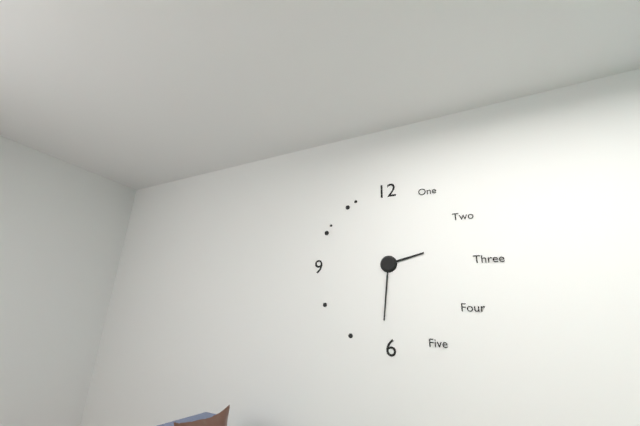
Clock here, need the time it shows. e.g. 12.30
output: 2.31
